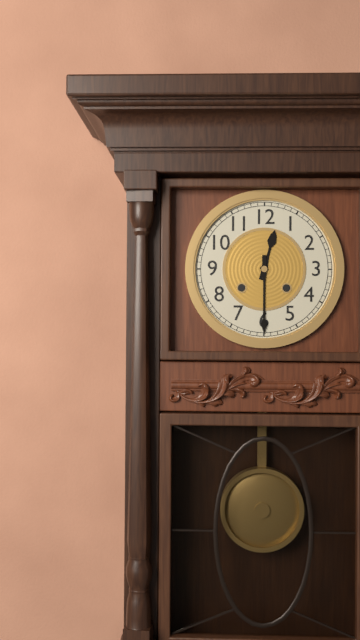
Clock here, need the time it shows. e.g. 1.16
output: 12.30
